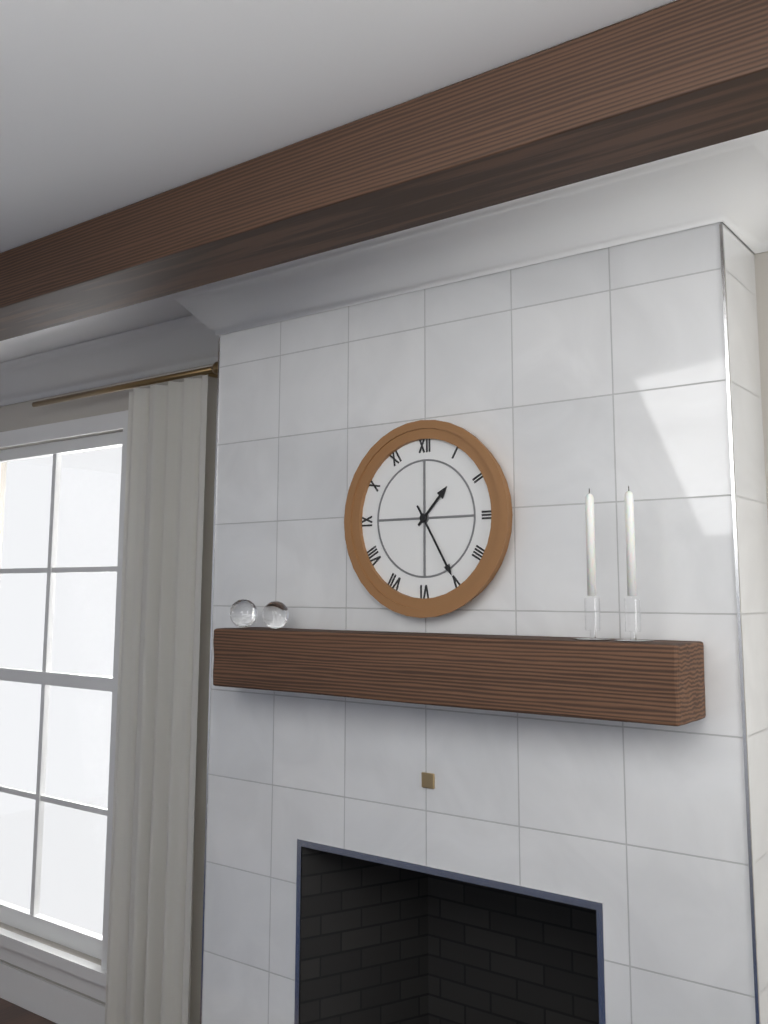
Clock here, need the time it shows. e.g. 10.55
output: 1.25
